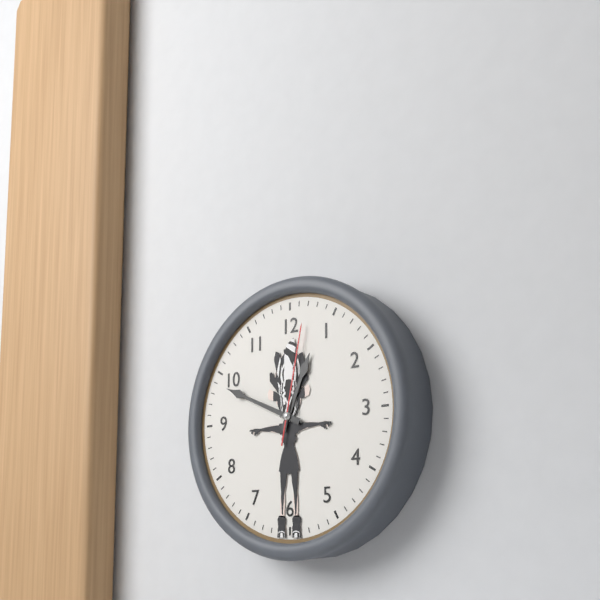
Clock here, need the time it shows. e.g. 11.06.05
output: 12.49.02
